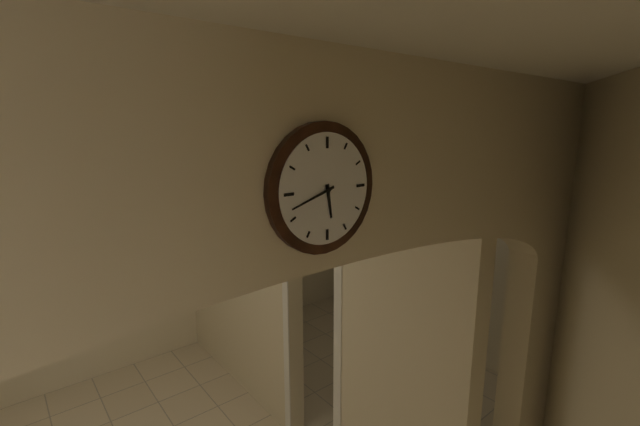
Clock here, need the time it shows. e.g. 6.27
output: 5.42
